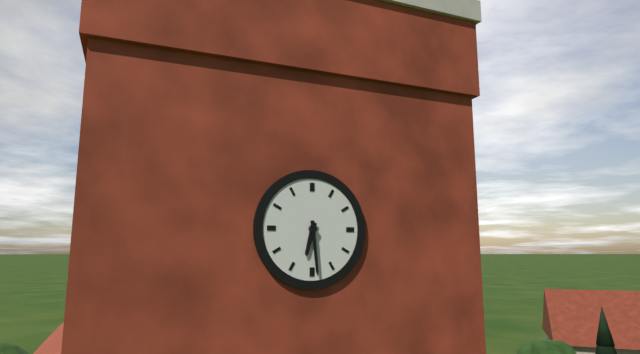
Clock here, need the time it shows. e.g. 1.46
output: 6.29
